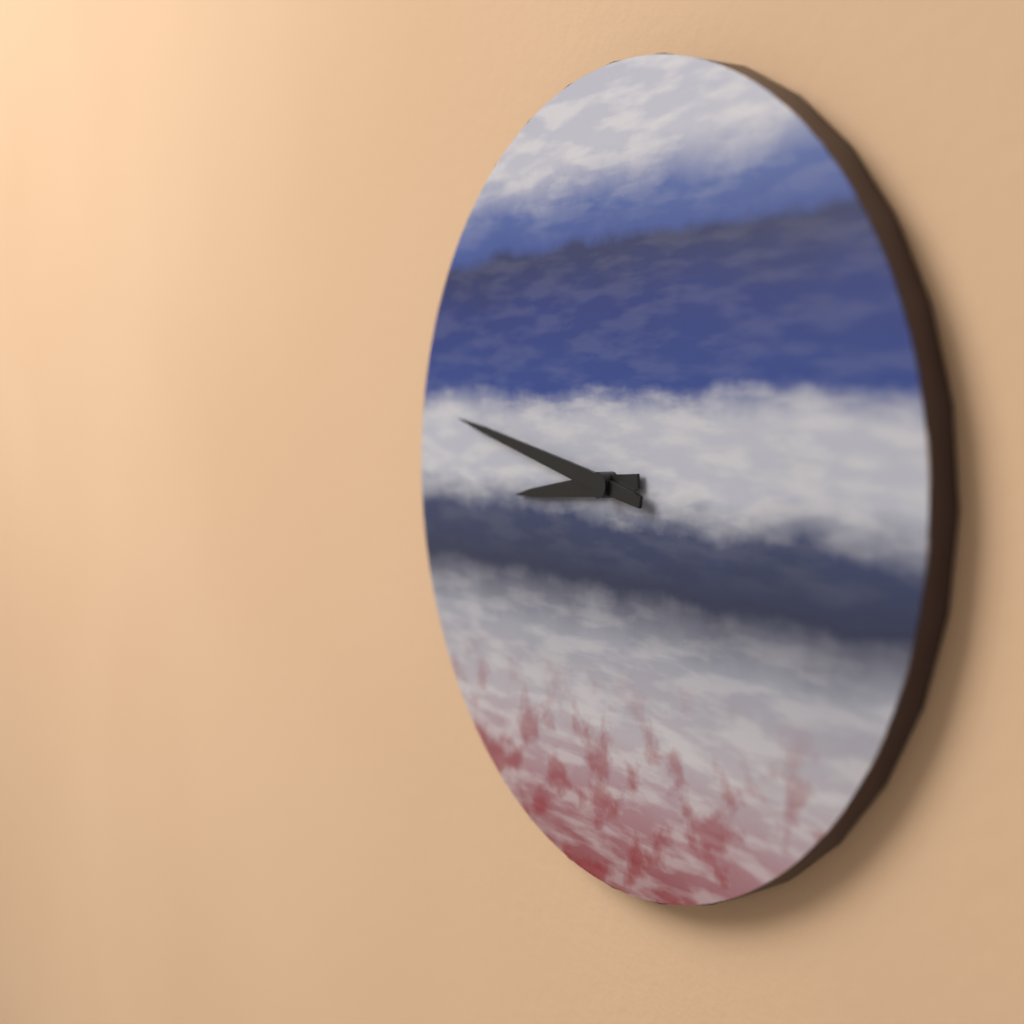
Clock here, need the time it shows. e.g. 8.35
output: 8.47
